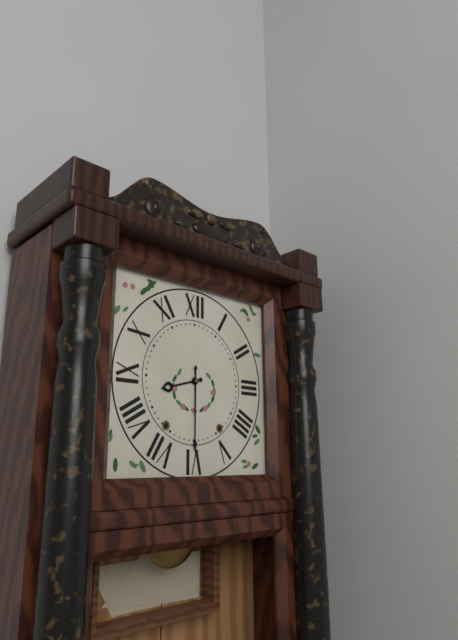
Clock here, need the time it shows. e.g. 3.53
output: 8.30
